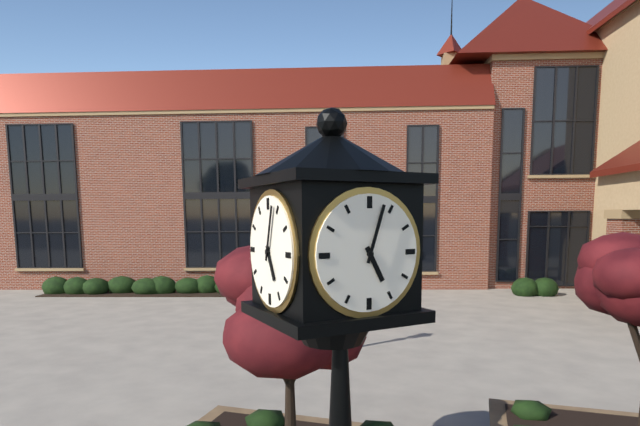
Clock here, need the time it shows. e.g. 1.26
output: 5.03
